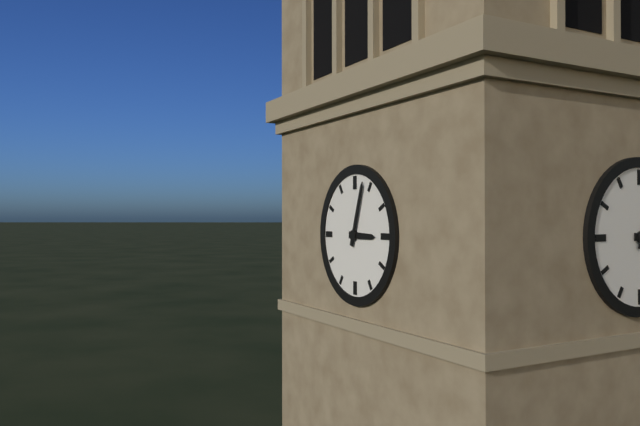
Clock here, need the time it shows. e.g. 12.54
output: 3.03
